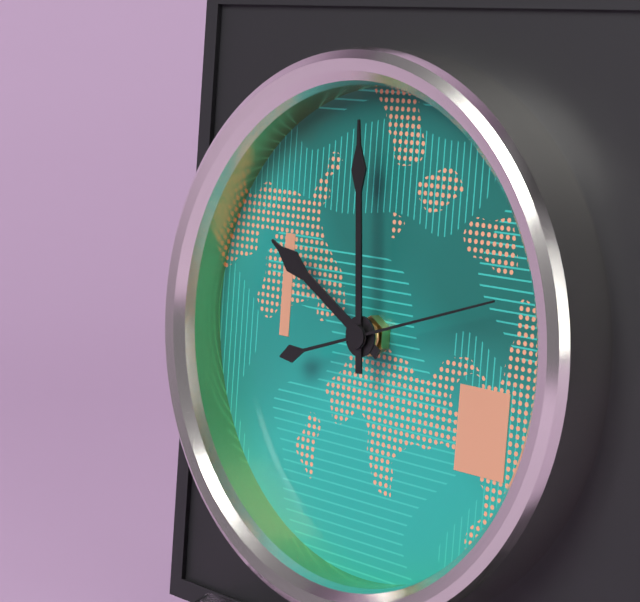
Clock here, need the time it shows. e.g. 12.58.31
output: 9.59.12
